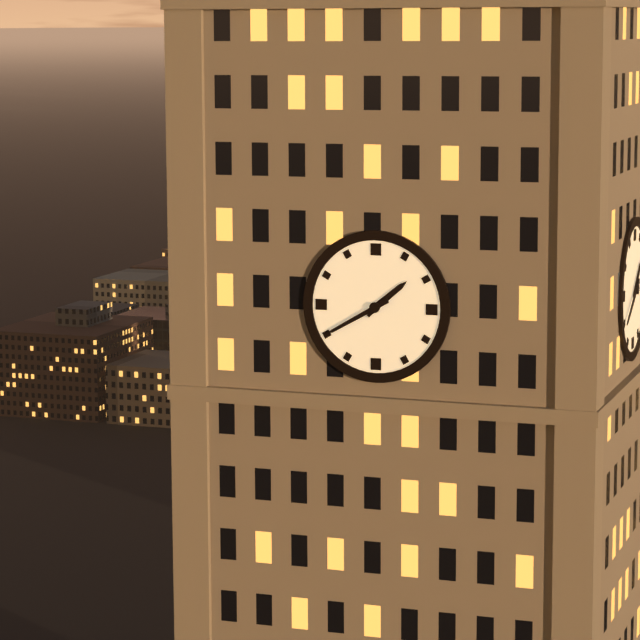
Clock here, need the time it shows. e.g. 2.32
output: 1.40
